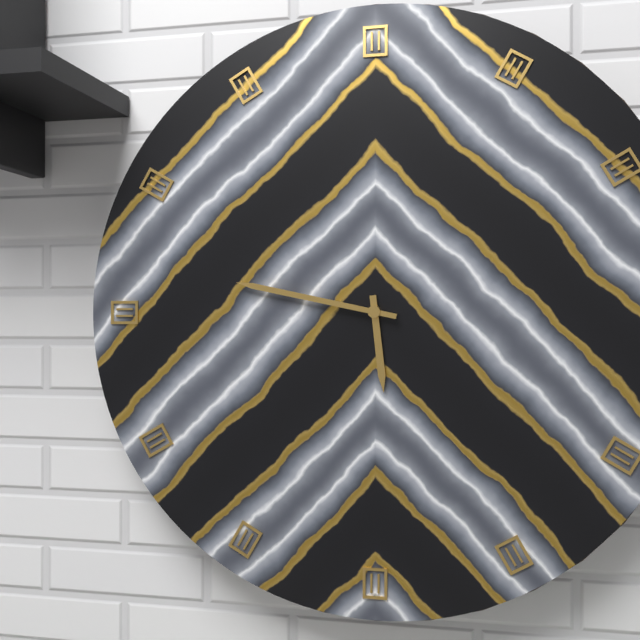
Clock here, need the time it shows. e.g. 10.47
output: 5.47
